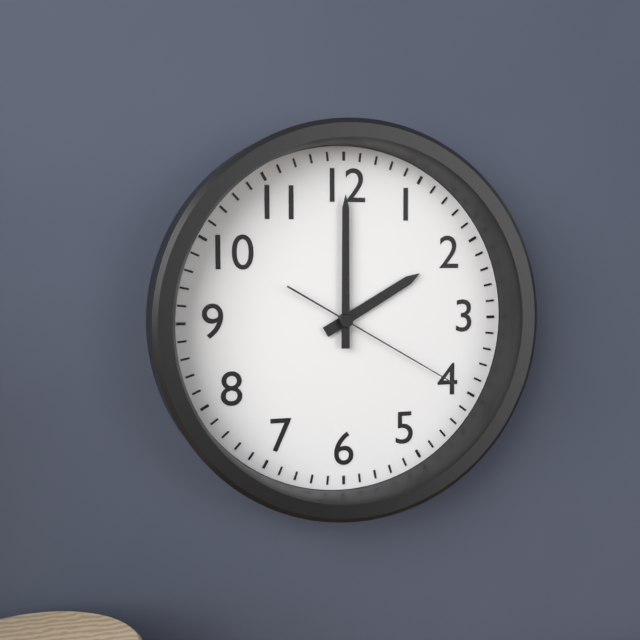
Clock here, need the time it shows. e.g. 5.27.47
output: 2.00.20
